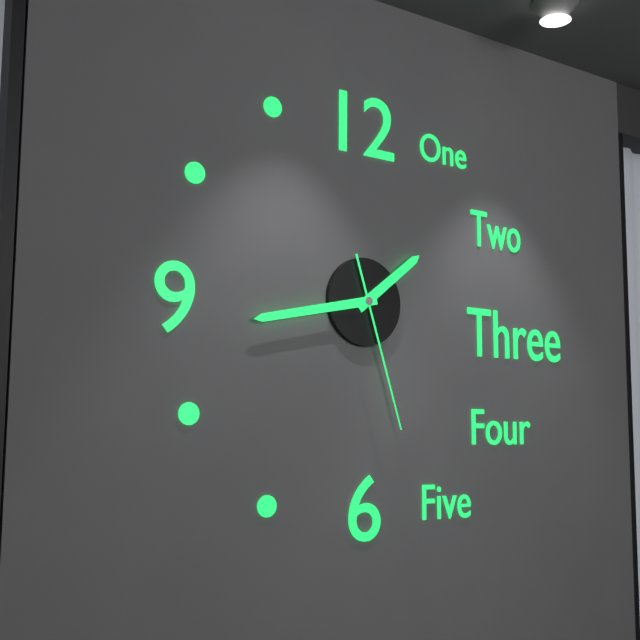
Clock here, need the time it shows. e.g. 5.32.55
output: 1.43.27
